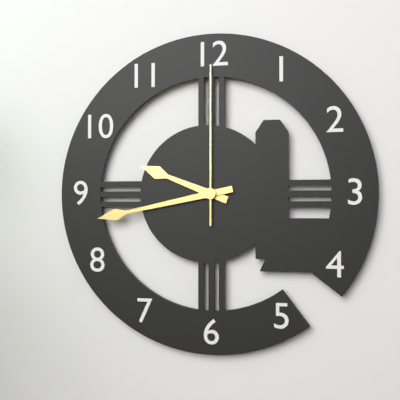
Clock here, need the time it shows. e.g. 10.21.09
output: 9.43.00
